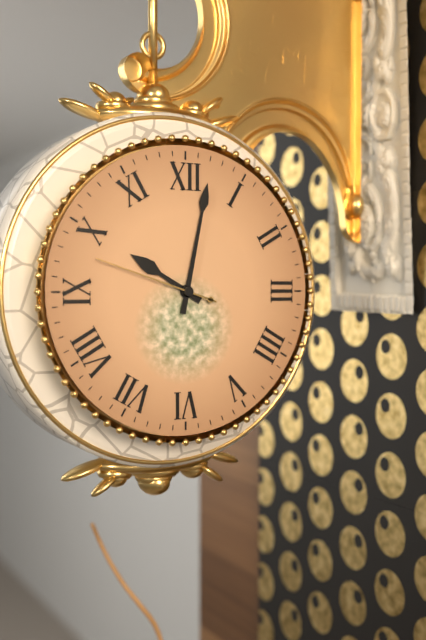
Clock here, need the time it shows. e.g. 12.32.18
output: 10.02.48
